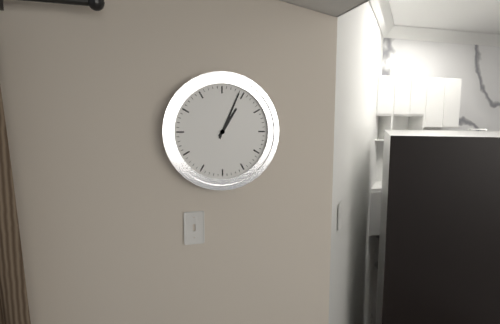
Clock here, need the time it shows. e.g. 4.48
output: 1.04
